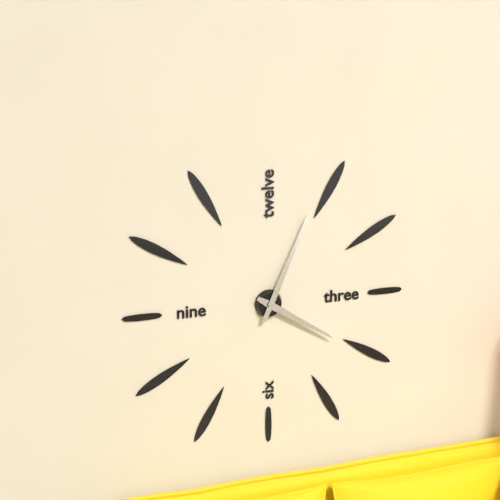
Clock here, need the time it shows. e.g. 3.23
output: 4.04
